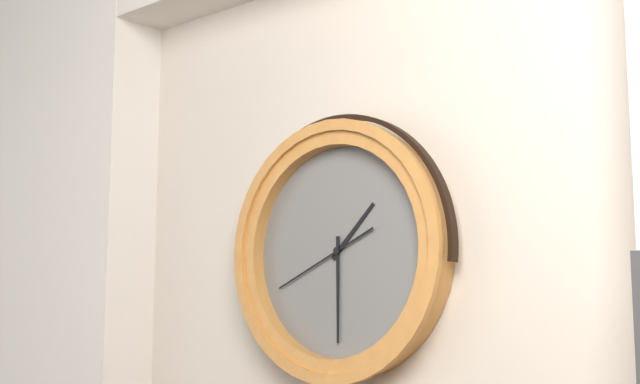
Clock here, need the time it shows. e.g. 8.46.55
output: 1.30.41
